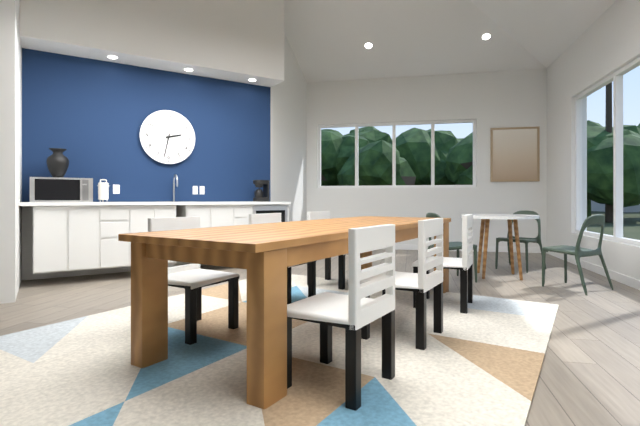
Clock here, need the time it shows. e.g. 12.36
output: 2.32
